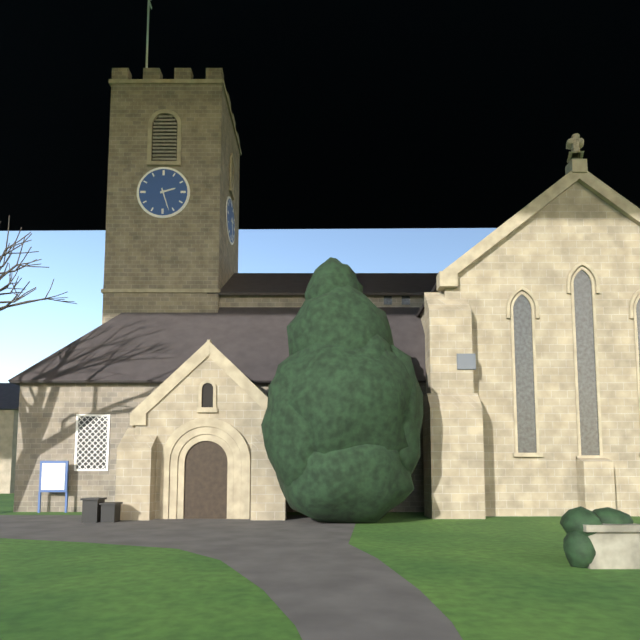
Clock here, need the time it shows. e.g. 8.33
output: 2.27
